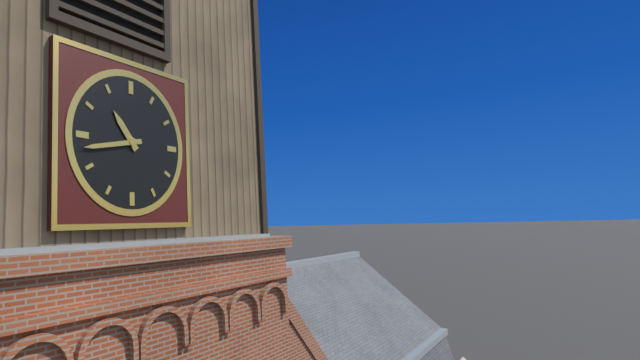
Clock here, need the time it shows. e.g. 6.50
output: 10.43
